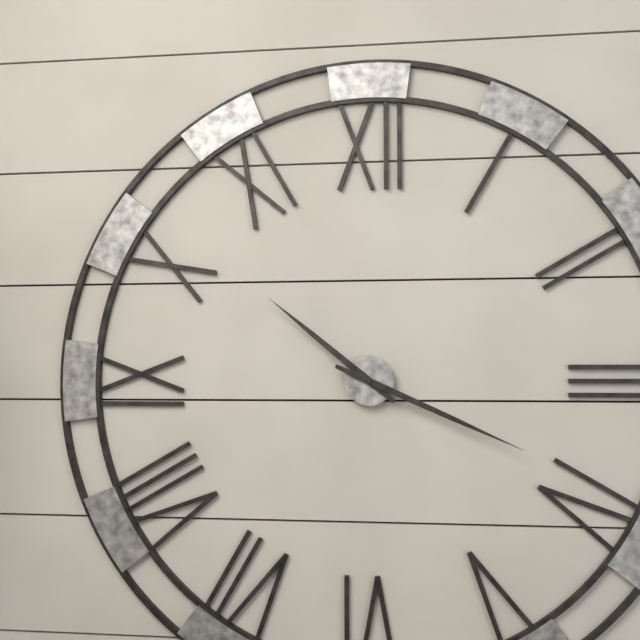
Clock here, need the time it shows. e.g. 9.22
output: 10.19
